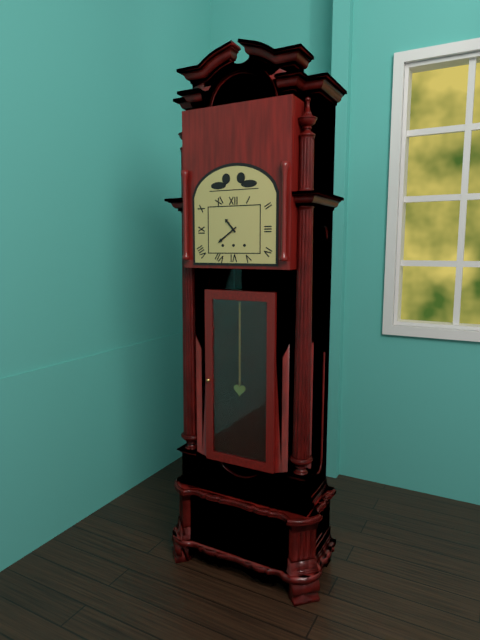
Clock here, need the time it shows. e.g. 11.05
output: 10.39
